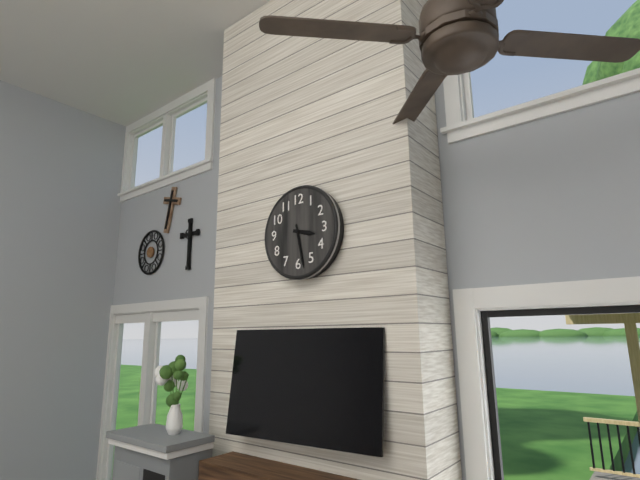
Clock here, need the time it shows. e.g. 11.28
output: 3.28
